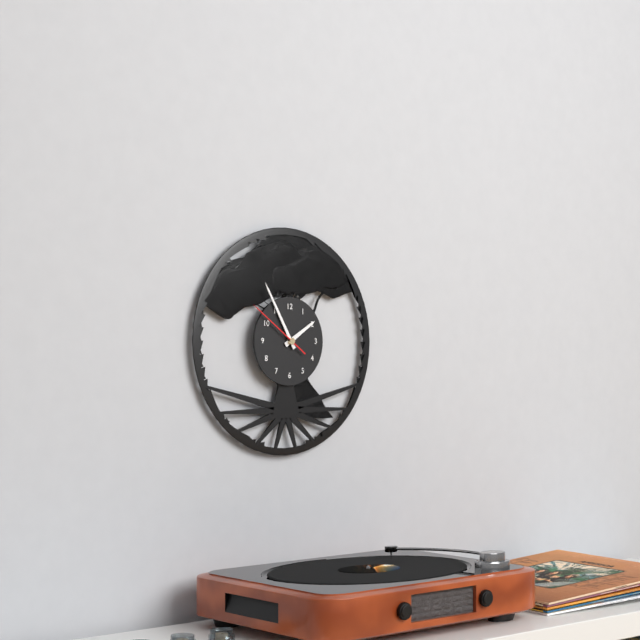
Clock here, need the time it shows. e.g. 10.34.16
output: 1.55.51
